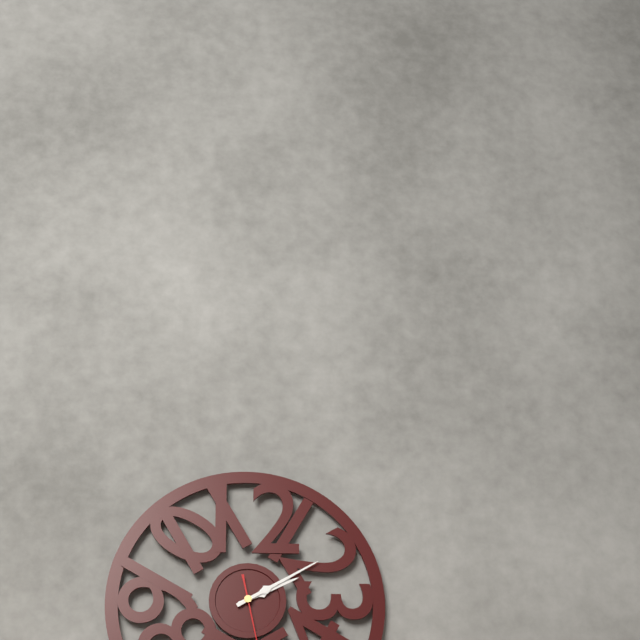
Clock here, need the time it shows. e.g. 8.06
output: 2.10
